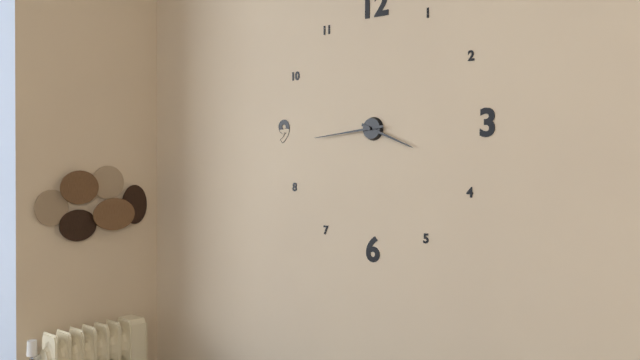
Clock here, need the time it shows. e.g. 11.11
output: 3.44
